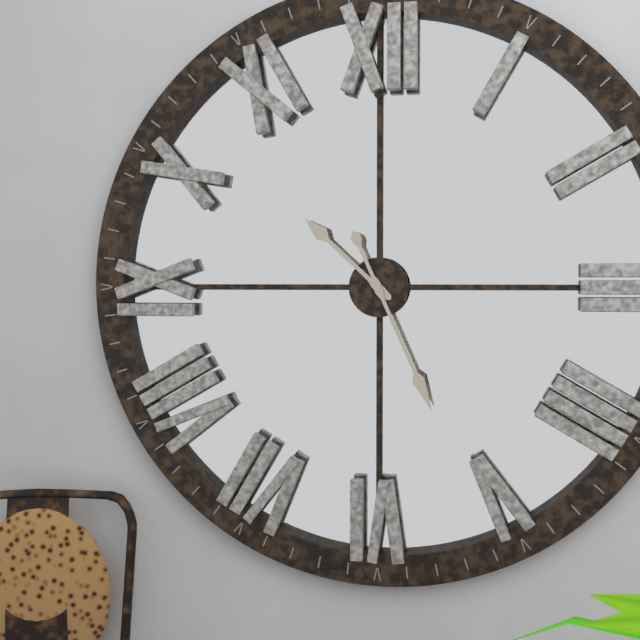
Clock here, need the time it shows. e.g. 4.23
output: 10.26
